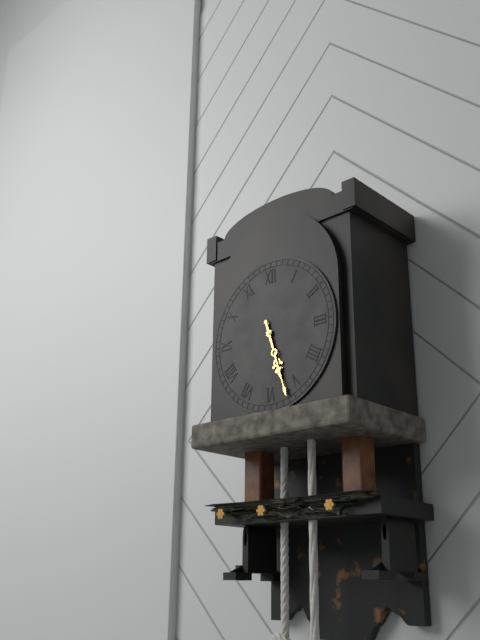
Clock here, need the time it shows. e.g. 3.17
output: 5.27
